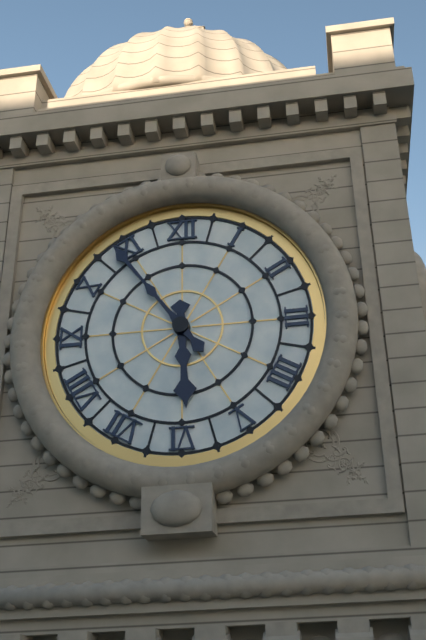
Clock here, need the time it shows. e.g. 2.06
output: 5.54
